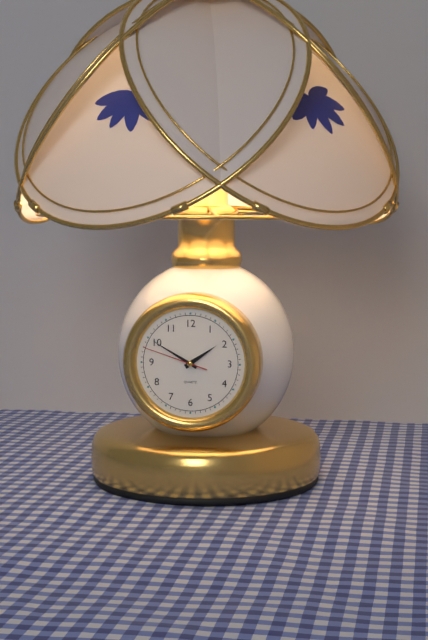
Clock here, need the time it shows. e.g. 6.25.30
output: 1.50.48
